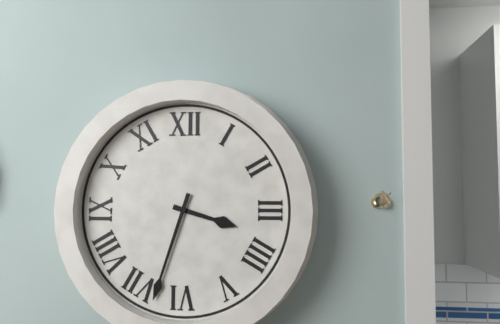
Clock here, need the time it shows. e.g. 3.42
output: 3.33
